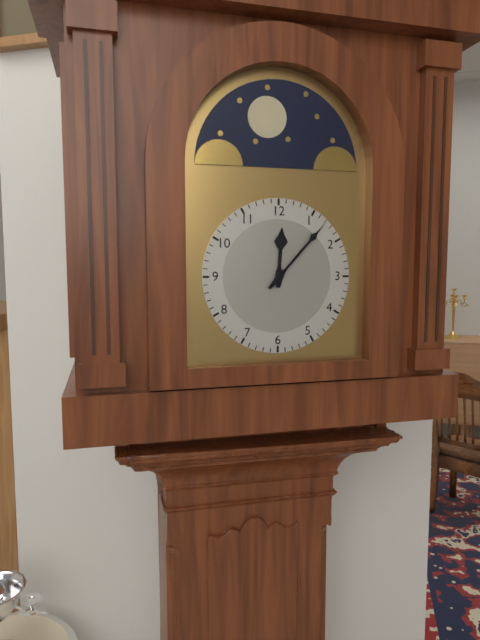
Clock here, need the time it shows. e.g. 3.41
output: 12.07
